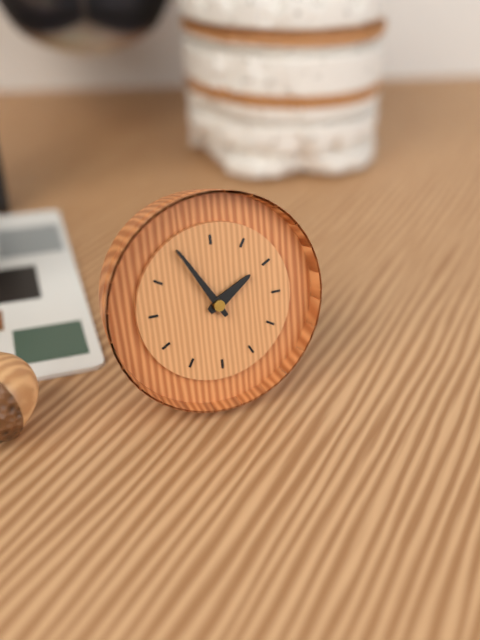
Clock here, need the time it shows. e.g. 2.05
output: 1.55
